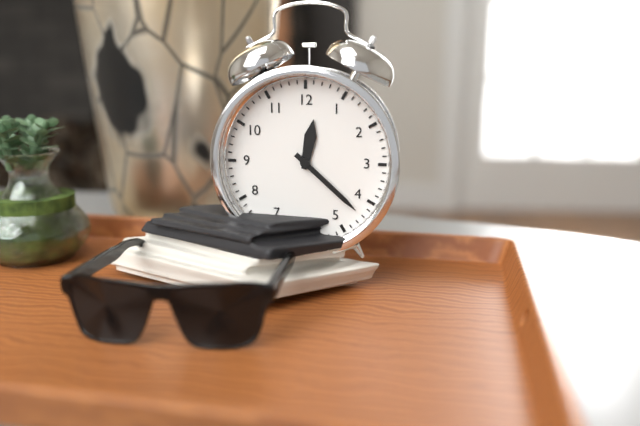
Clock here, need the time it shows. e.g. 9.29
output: 12.22
